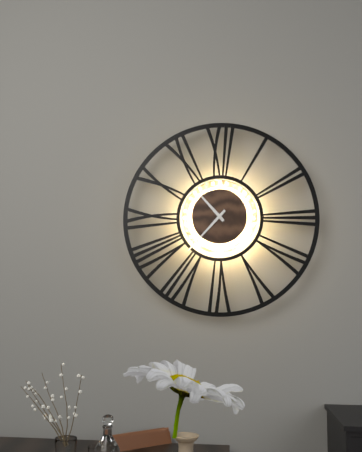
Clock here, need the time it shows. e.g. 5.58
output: 10.37
